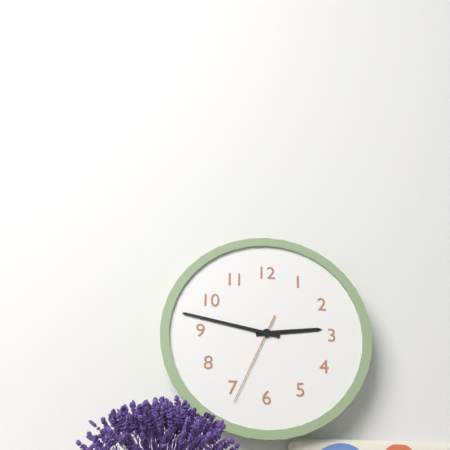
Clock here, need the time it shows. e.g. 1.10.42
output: 2.47.34
